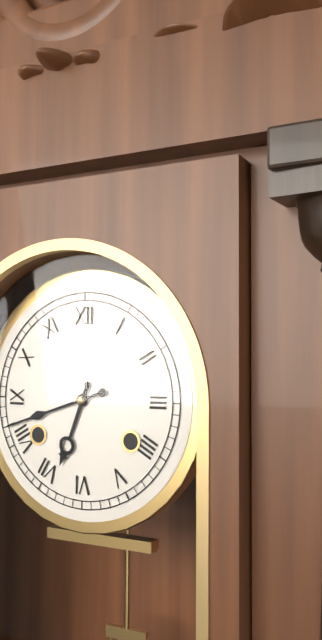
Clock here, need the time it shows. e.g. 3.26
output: 6.42
